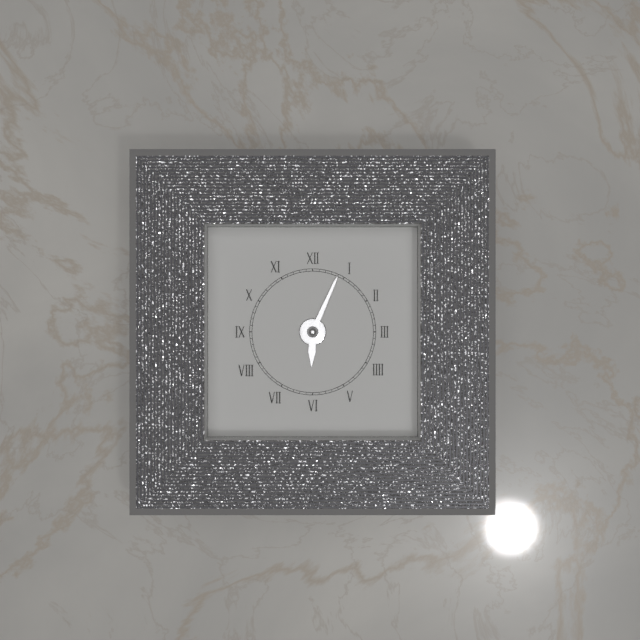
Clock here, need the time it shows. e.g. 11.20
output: 6.04
